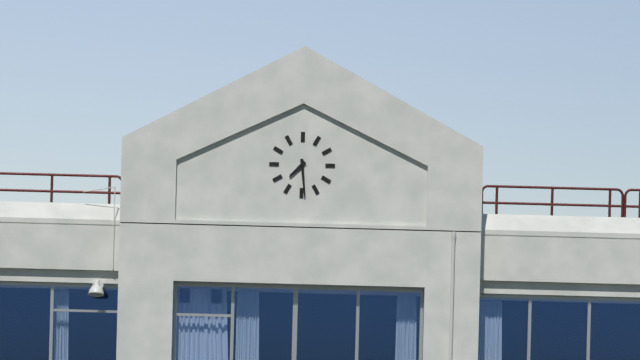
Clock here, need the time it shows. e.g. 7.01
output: 7.29
